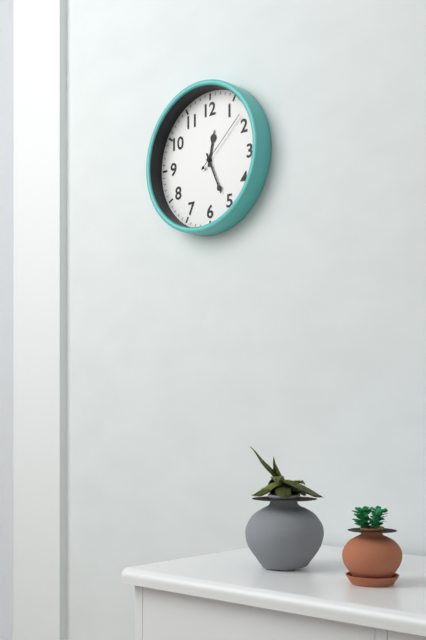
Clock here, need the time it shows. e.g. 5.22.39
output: 12.26.08
